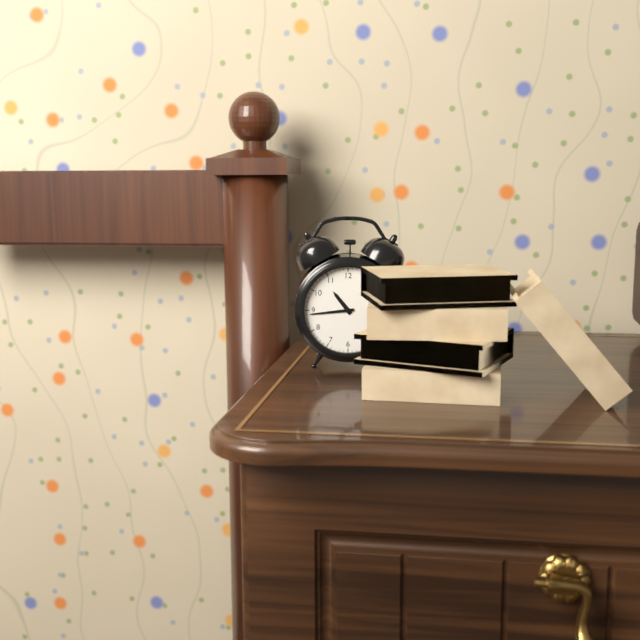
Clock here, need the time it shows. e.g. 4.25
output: 10.44
